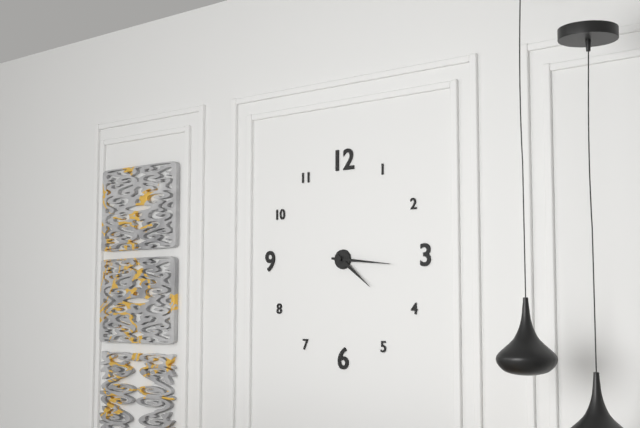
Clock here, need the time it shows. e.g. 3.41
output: 4.16
